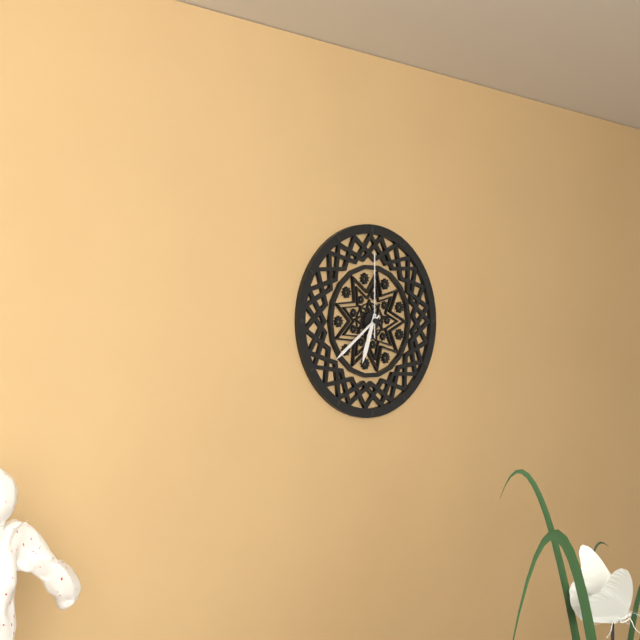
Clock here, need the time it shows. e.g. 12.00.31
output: 6.39.00
